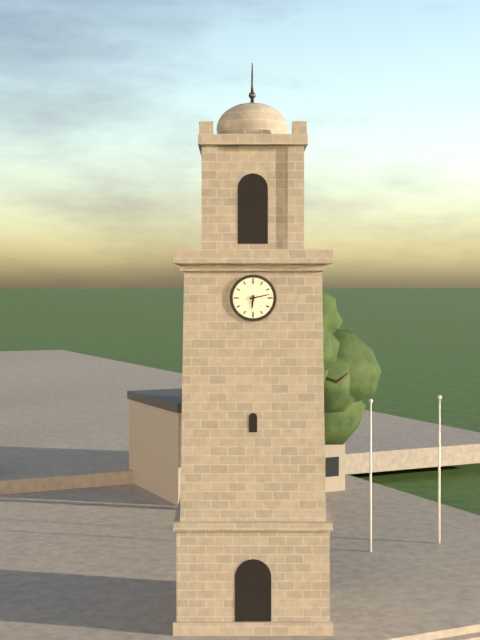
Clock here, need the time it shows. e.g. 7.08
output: 6.13
